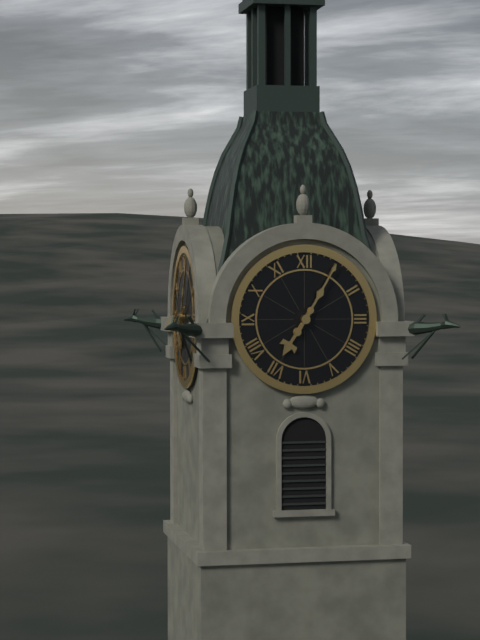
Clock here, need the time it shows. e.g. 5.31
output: 7.05
